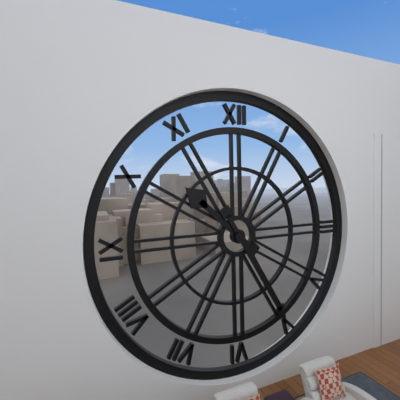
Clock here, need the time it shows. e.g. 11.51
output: 10.25
